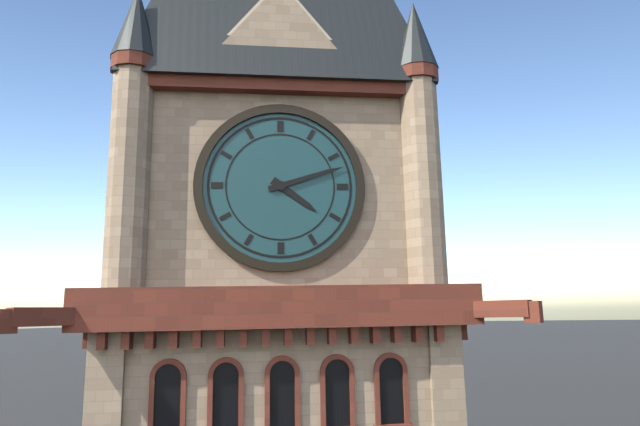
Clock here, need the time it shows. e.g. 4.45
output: 4.12
